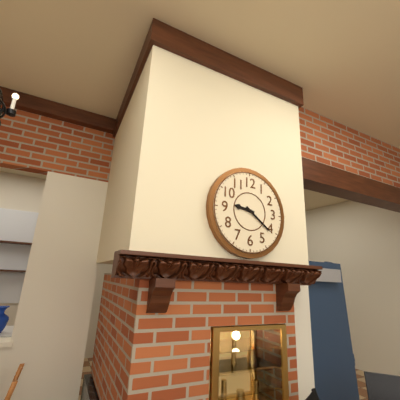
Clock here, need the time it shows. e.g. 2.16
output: 9.21
